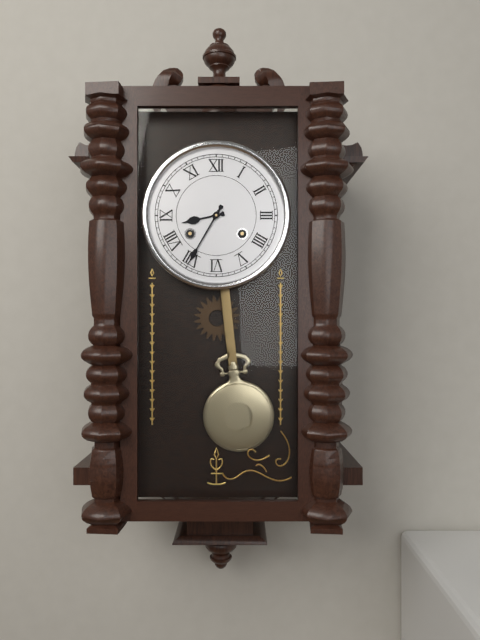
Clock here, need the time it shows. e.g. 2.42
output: 8.35
